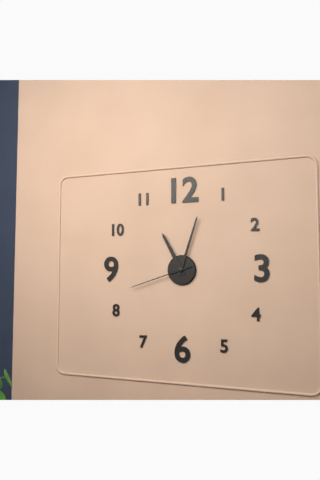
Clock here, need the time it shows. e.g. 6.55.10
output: 11.03.42
